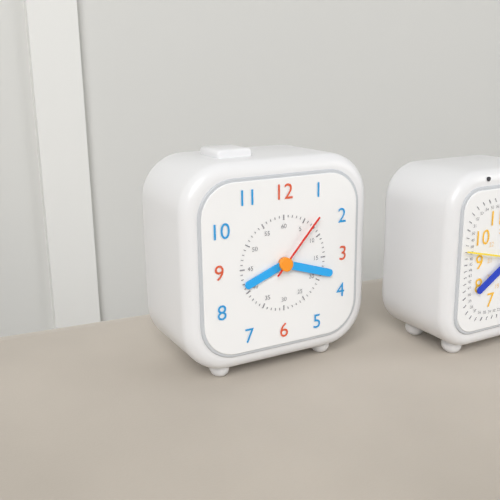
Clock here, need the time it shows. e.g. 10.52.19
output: 8.18.07
